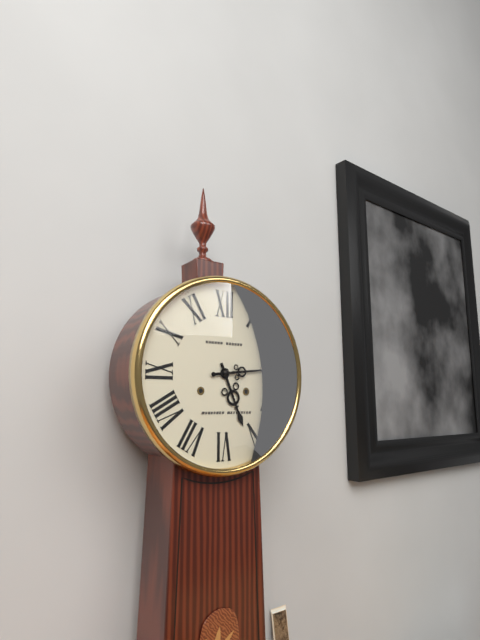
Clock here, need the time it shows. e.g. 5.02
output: 5.14
